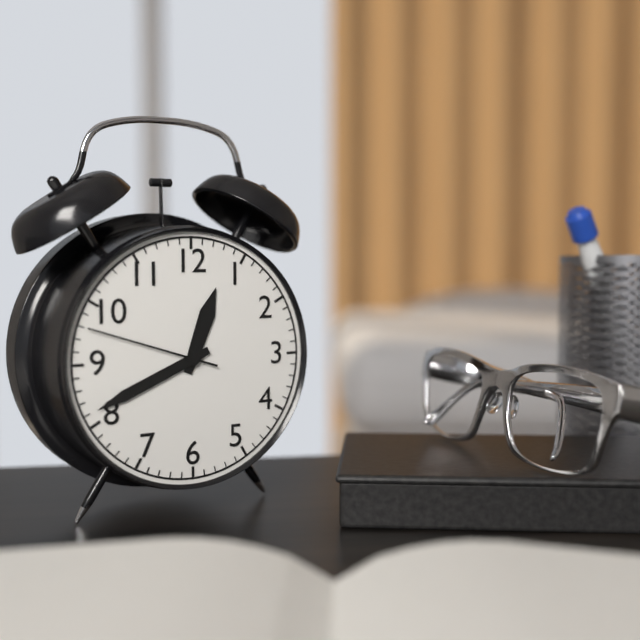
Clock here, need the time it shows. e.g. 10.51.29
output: 12.41.48
